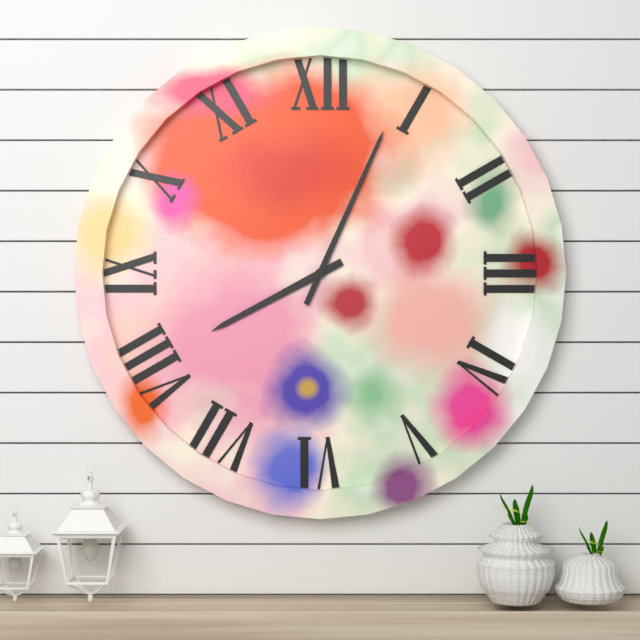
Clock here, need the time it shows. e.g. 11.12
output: 8.04
